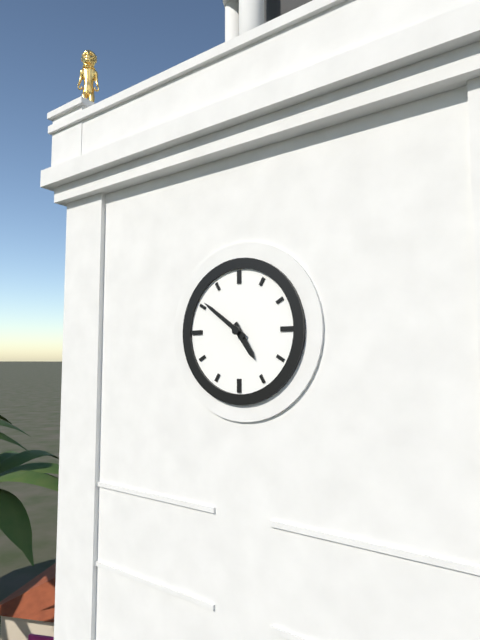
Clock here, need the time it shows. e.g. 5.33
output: 4.51
